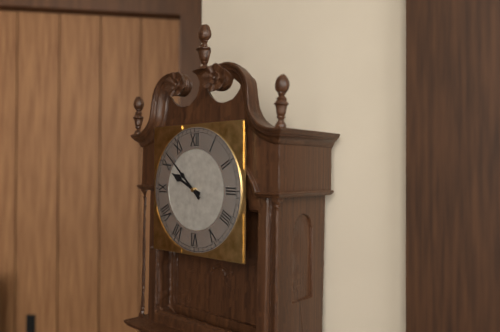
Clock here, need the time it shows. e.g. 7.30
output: 9.52
